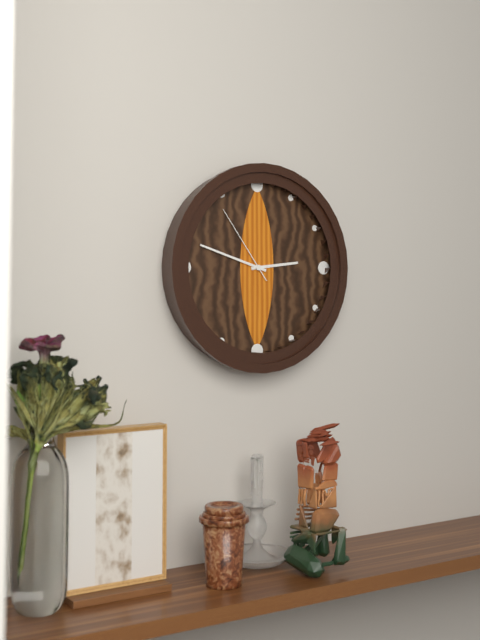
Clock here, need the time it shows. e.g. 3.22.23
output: 2.48.54
